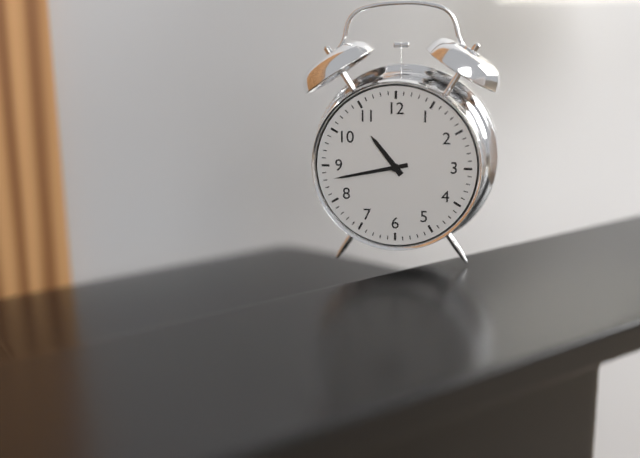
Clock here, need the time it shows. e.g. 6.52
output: 10.43
